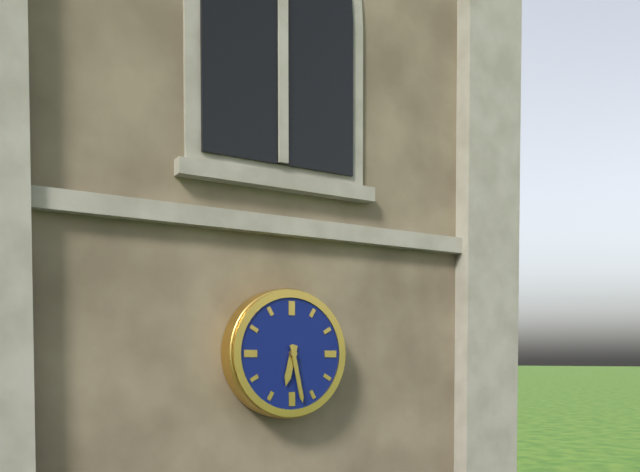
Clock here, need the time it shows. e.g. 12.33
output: 6.28
